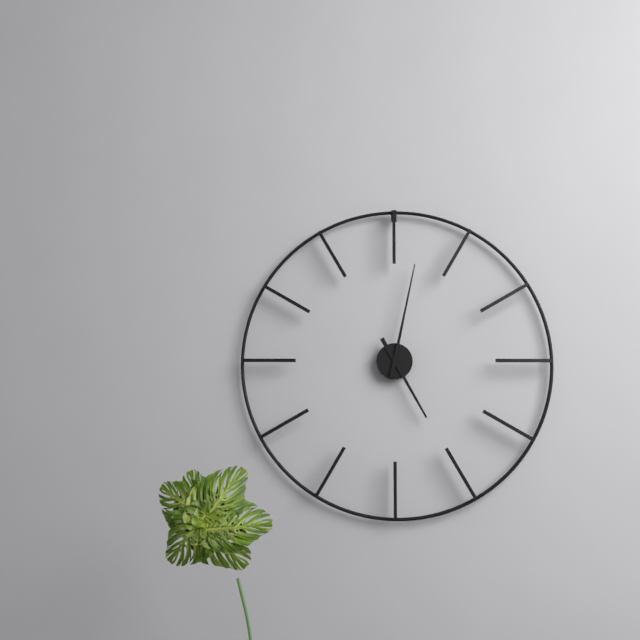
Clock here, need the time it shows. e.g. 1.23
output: 5.02
